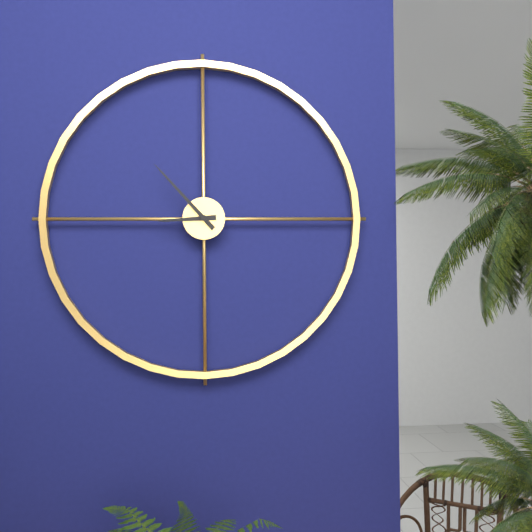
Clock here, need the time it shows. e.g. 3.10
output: 8.53
